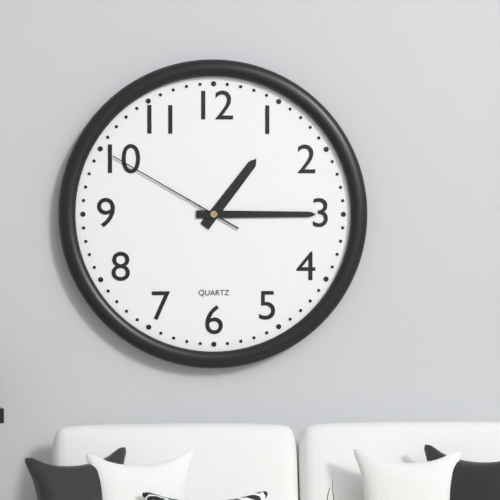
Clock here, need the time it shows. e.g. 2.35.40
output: 1.15.50
